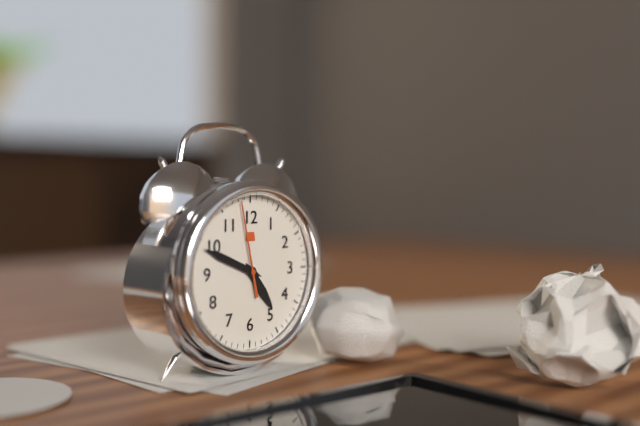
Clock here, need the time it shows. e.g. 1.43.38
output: 4.49.58
